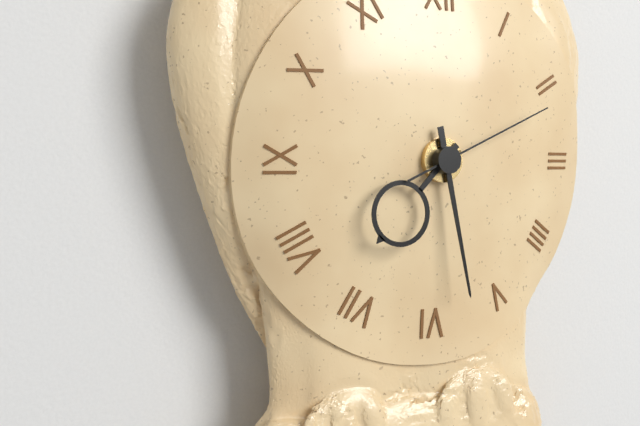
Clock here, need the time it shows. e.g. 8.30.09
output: 7.28.11
